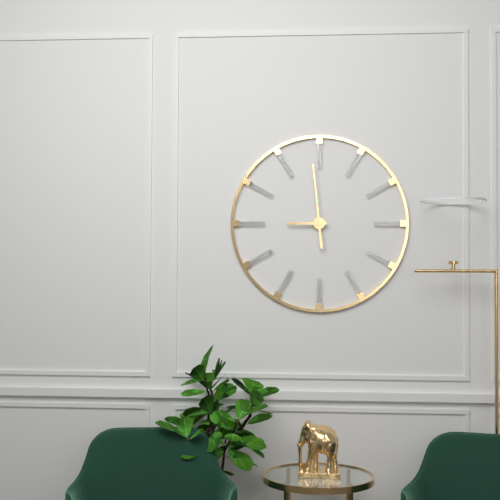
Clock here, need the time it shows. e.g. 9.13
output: 8.59
